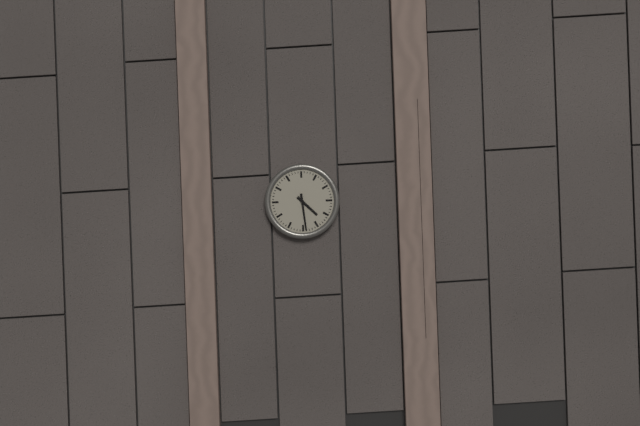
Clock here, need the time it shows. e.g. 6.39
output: 4.29
